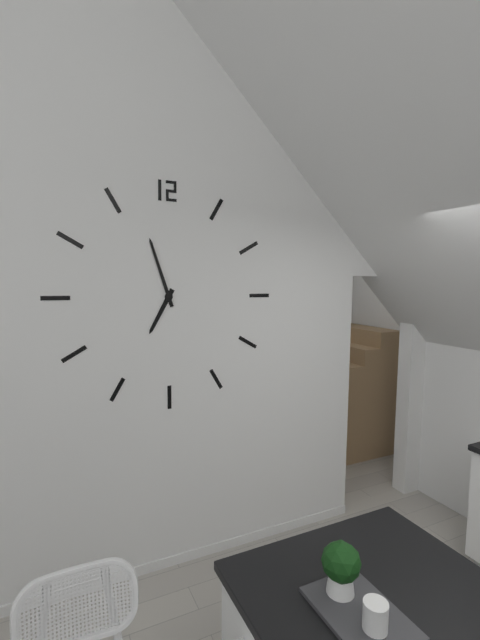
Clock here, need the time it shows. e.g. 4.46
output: 6.57
